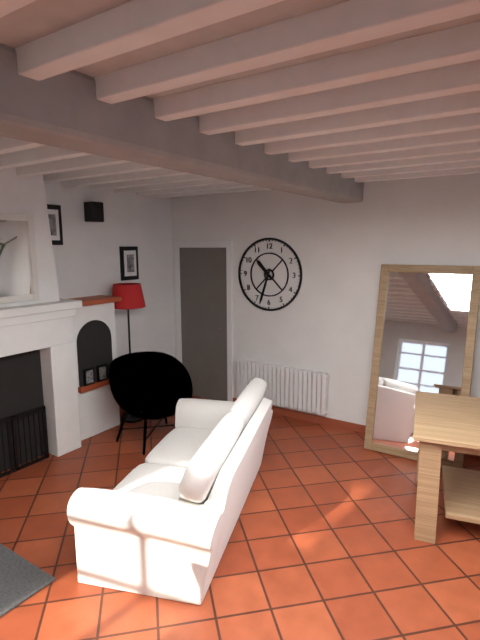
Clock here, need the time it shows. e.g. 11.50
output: 10.33
